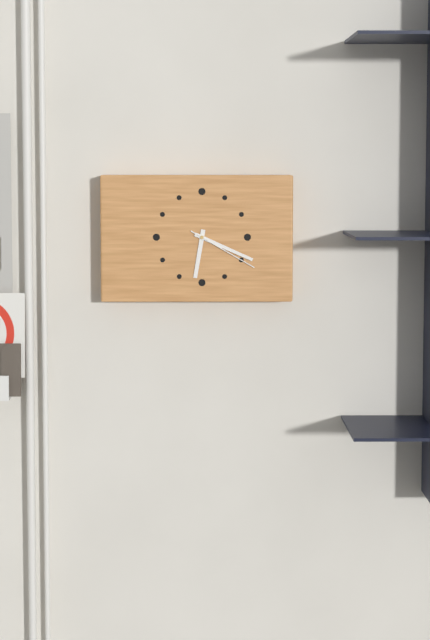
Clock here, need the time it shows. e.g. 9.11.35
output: 6.19.20
